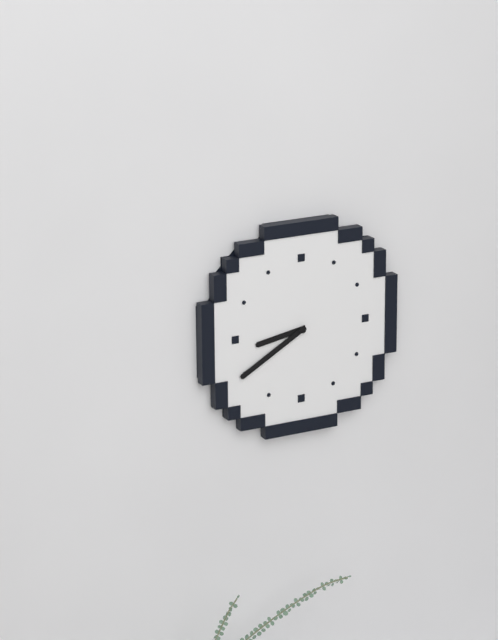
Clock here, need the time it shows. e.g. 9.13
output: 8.40
